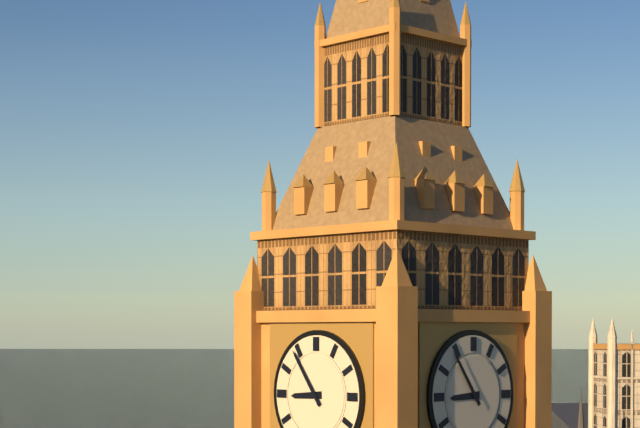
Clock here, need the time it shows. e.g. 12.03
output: 8.54
